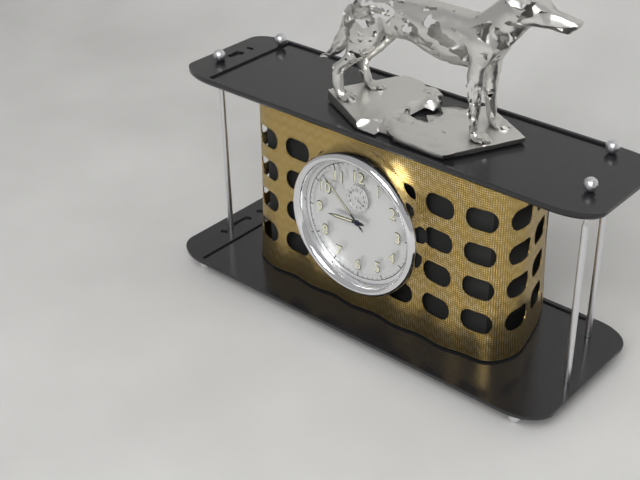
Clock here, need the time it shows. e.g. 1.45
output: 8.52
